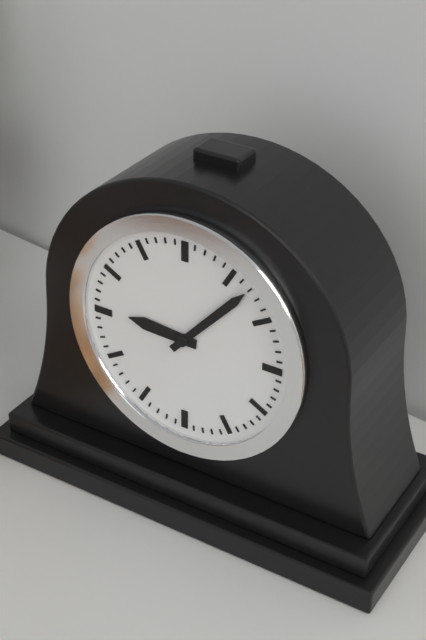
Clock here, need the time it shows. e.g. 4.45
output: 9.07
